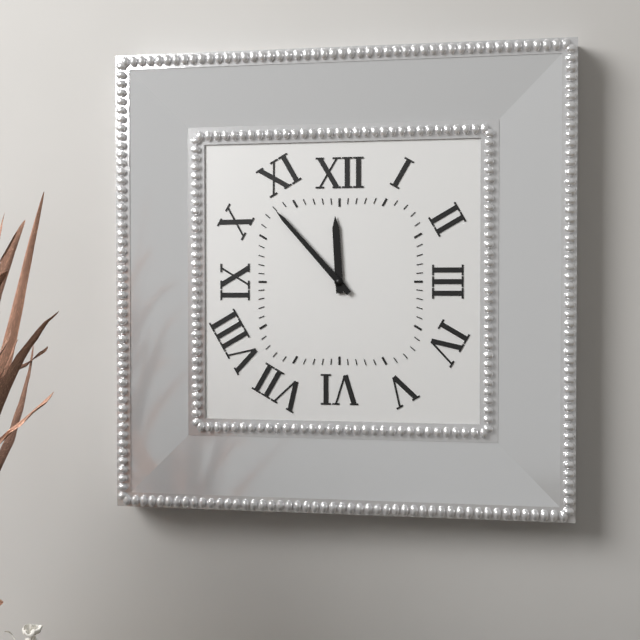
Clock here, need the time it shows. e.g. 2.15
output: 11.53
